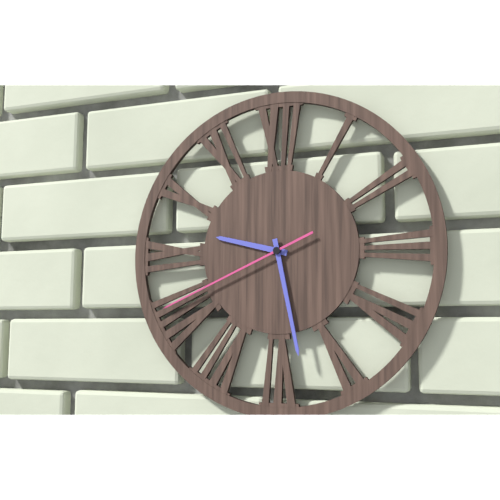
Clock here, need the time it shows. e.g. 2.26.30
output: 9.28.41
